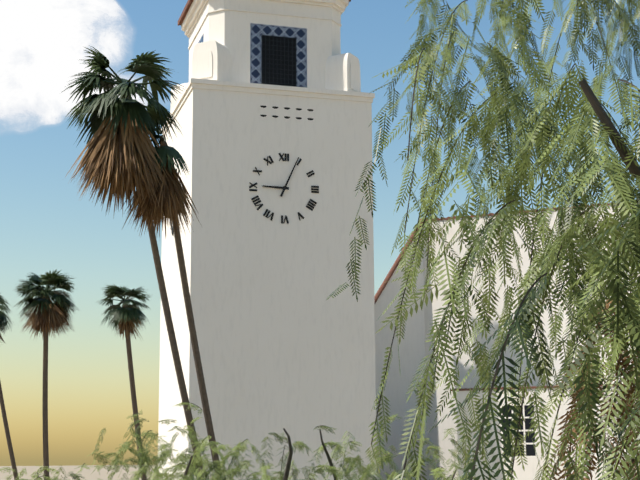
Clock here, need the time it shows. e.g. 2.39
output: 9.04
